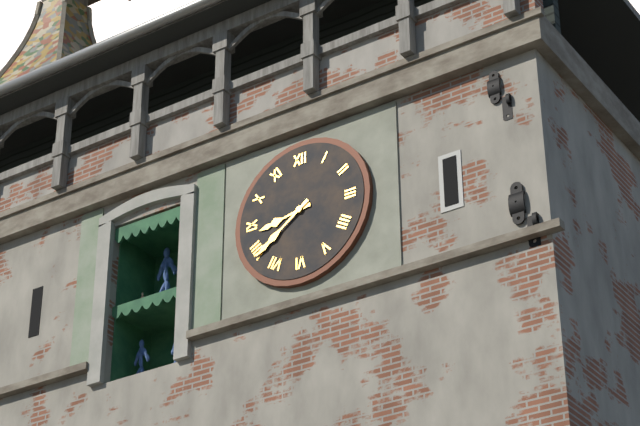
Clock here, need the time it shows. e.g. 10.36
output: 8.39
